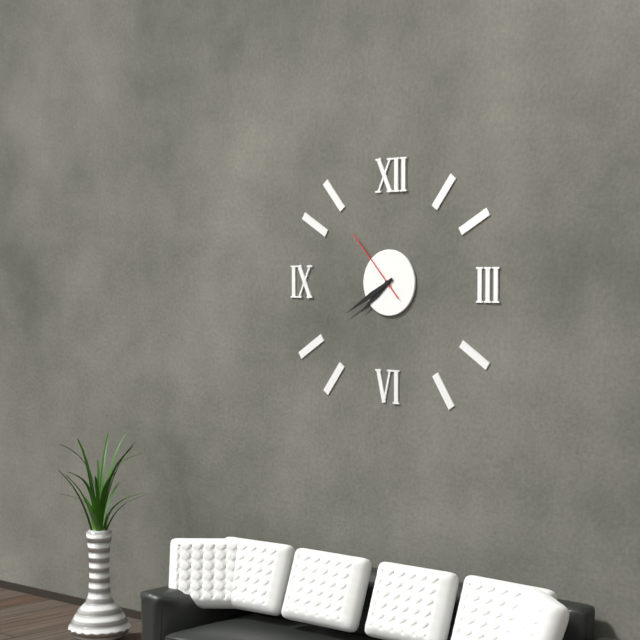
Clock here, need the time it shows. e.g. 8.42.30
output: 7.40.53
